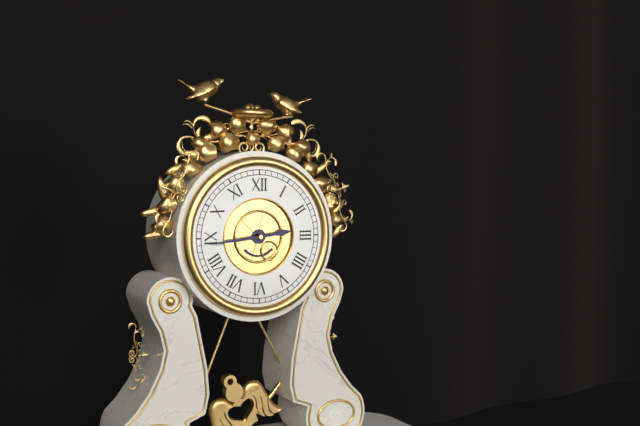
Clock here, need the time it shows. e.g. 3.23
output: 2.44
